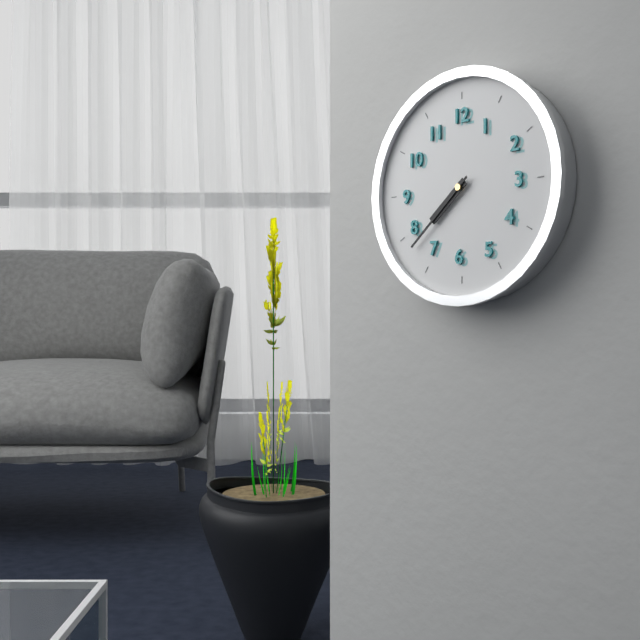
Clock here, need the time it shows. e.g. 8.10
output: 7.38
